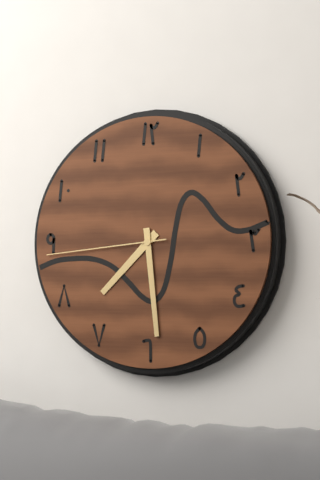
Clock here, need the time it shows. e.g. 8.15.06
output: 7.29.44
